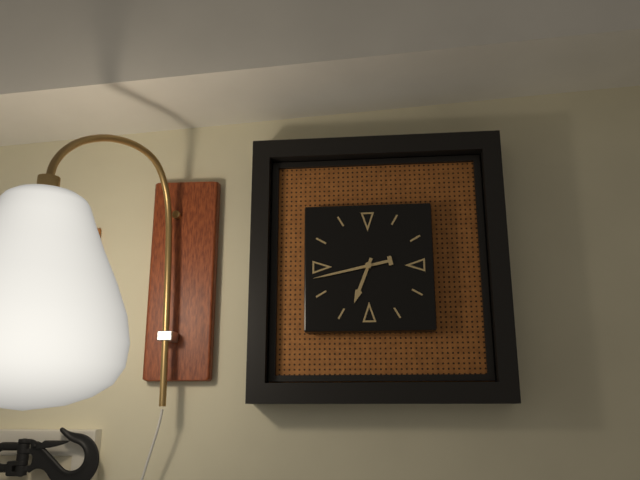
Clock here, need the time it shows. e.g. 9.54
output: 6.43
